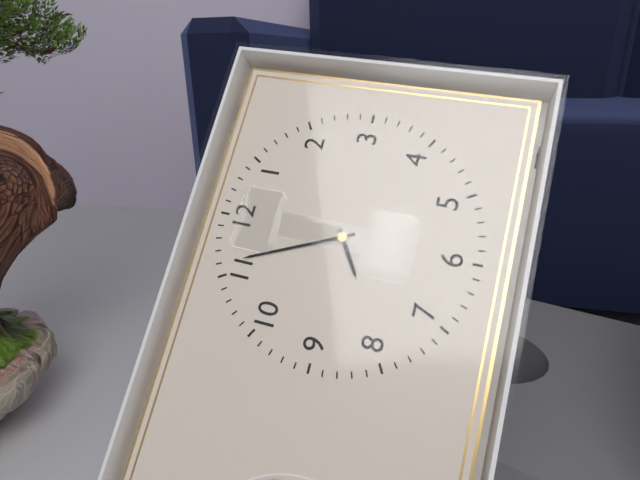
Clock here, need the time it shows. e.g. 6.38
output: 7.56
